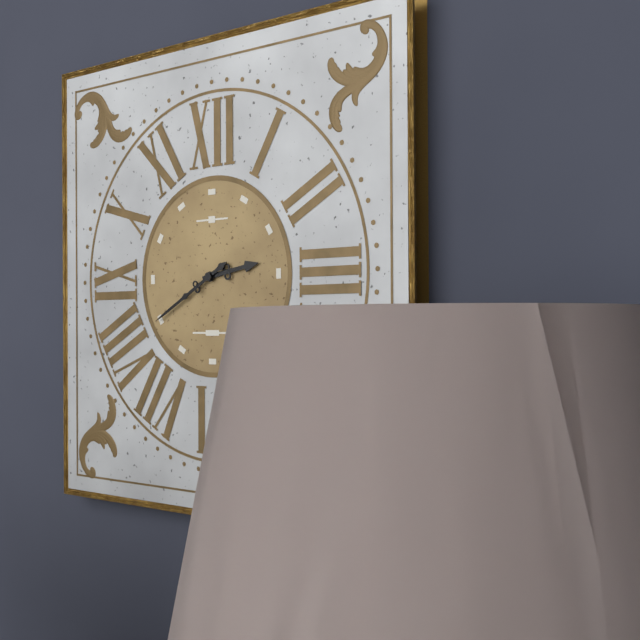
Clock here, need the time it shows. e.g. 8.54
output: 2.40
